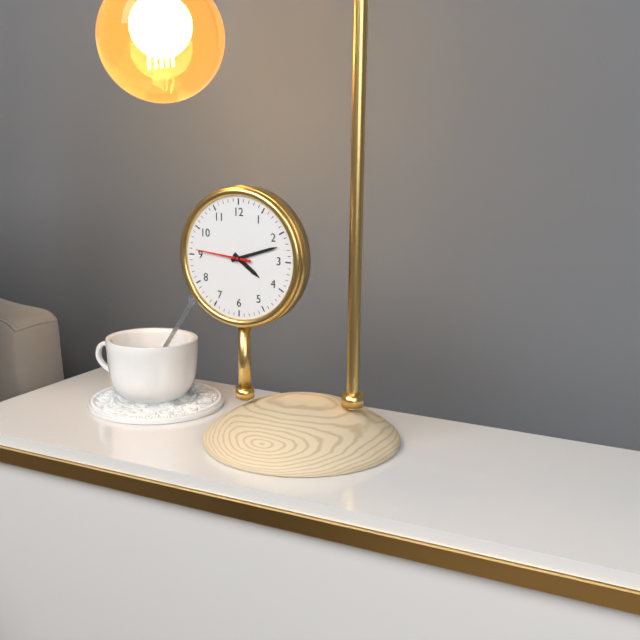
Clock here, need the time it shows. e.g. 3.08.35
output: 4.12.46
